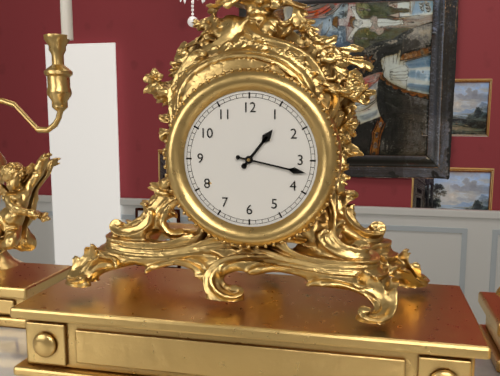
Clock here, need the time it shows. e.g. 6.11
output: 1.17
